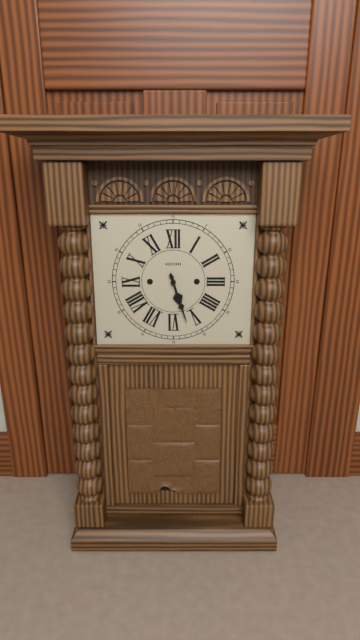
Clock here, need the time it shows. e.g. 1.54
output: 5.27
